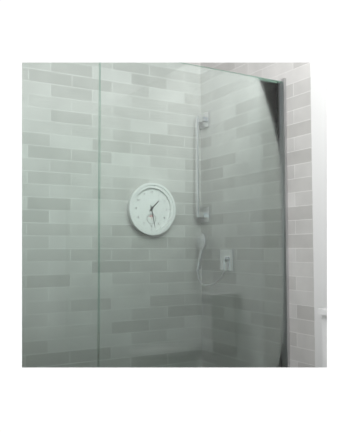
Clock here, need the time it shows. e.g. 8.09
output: 1.28
